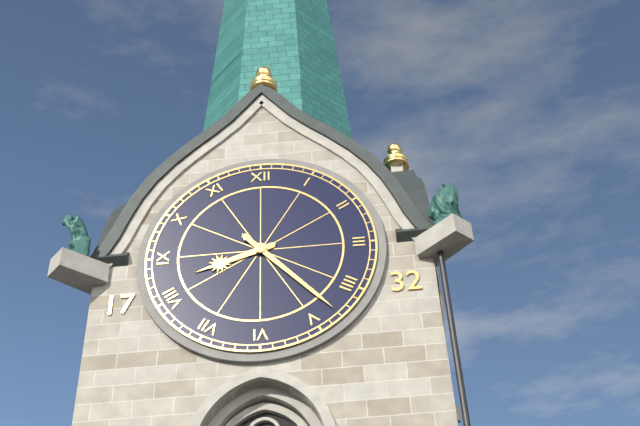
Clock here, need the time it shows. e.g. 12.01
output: 8.23
